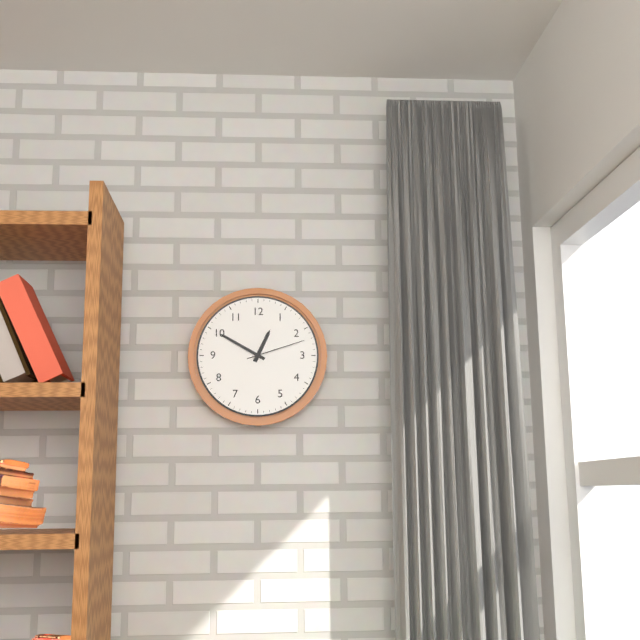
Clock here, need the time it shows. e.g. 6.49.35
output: 12.50.12
